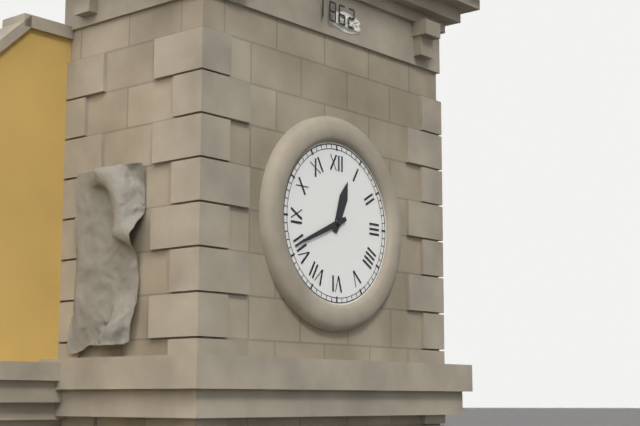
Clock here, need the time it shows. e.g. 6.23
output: 12.41
